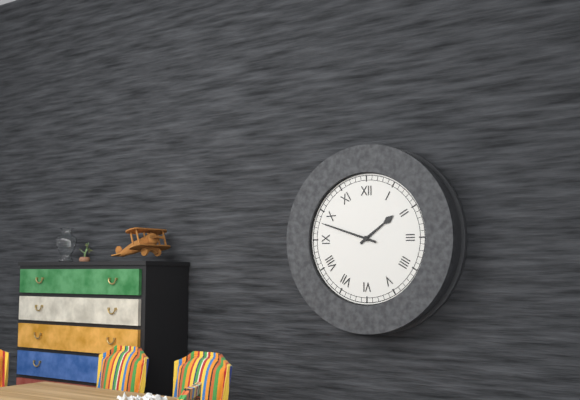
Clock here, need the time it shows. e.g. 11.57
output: 1.48
